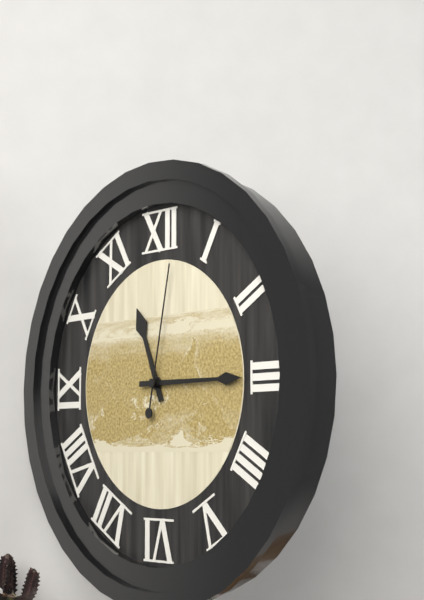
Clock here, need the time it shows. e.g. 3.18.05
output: 11.15.02
